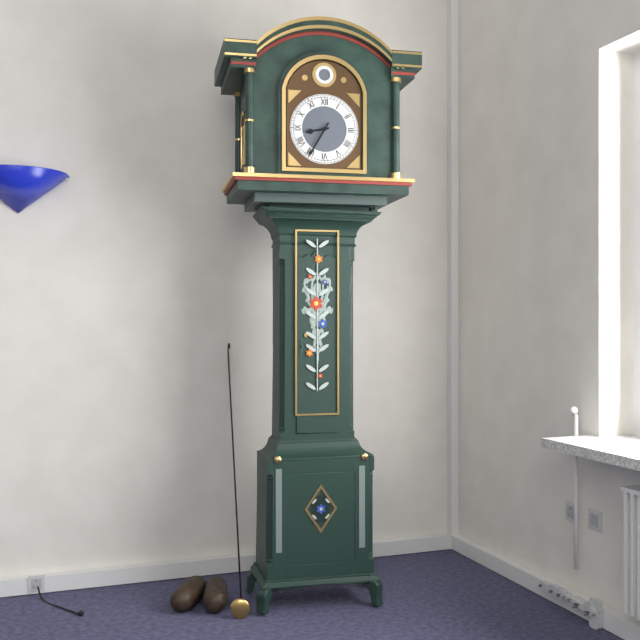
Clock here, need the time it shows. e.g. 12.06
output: 8.35
